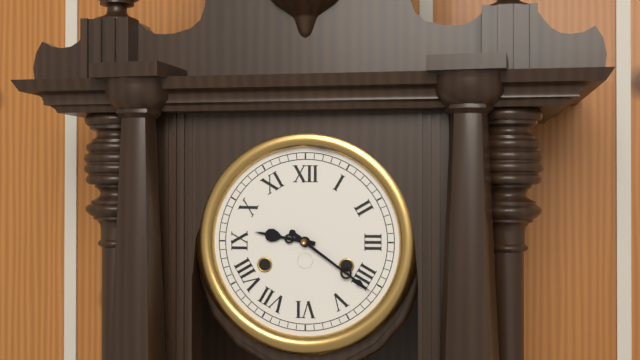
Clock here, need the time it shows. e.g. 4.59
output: 9.21
